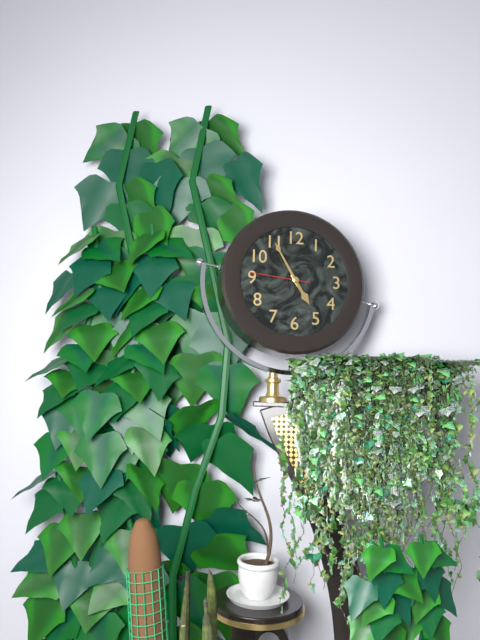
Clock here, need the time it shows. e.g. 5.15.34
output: 4.55.46
